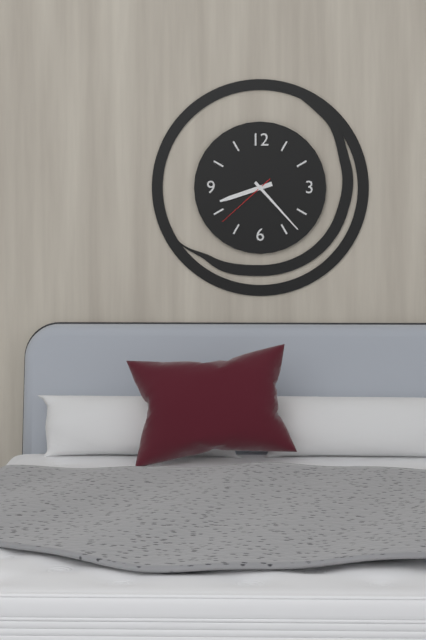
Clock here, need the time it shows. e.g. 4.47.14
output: 8.23.38
